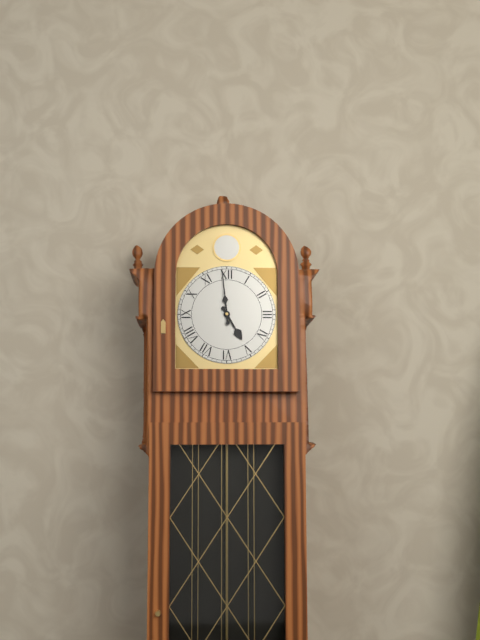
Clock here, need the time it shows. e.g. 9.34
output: 4.59
